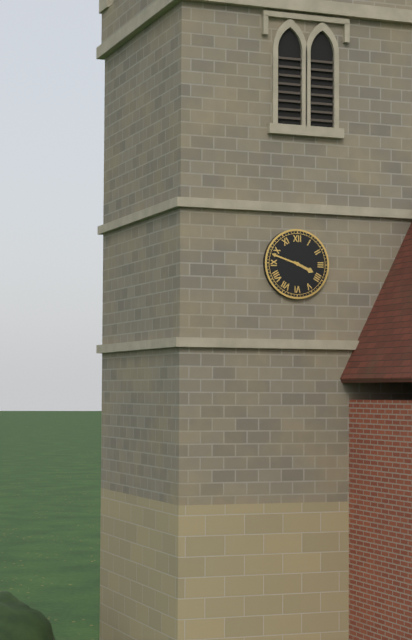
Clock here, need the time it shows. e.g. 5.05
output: 3.48
